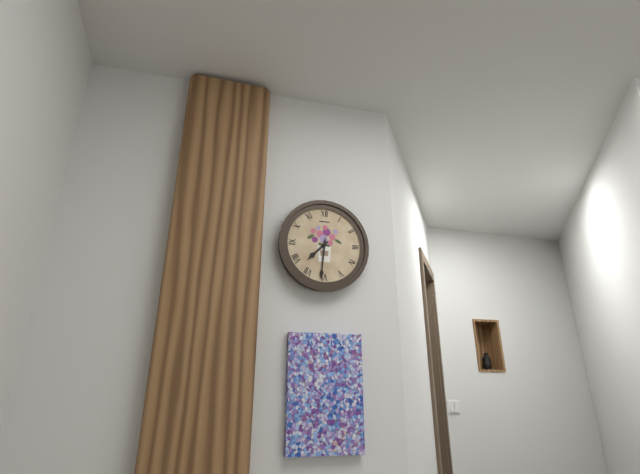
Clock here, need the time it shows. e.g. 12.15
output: 7.31
